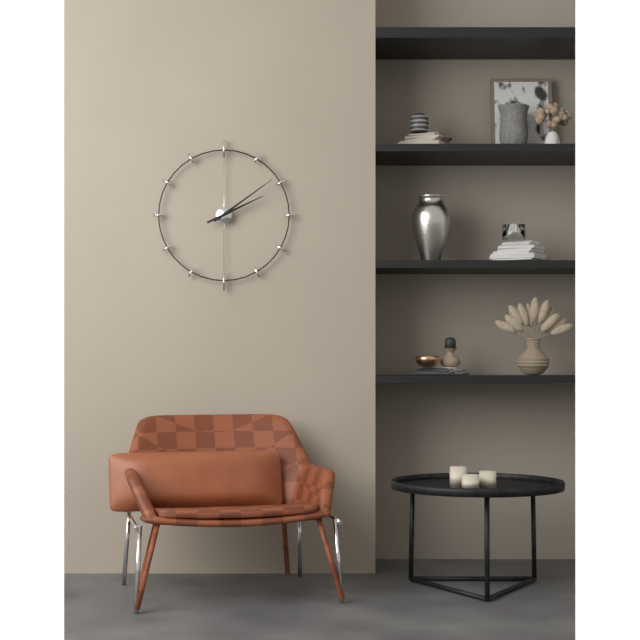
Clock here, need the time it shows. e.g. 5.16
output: 2.09
